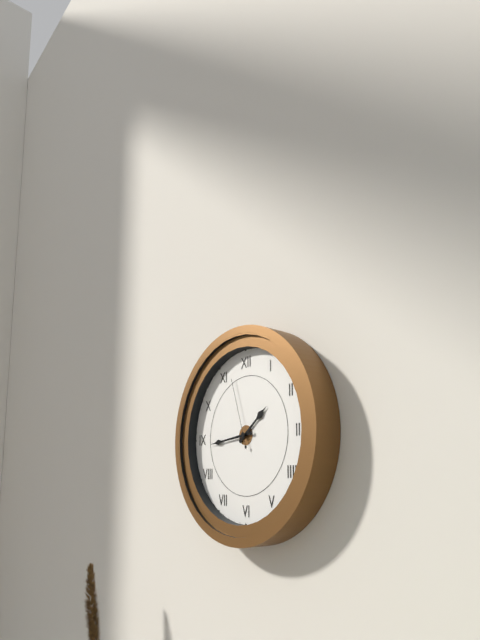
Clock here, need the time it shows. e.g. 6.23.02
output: 1.44.57
